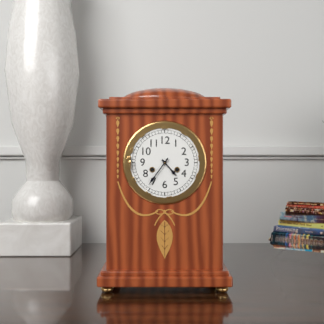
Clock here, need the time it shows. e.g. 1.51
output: 4.36
